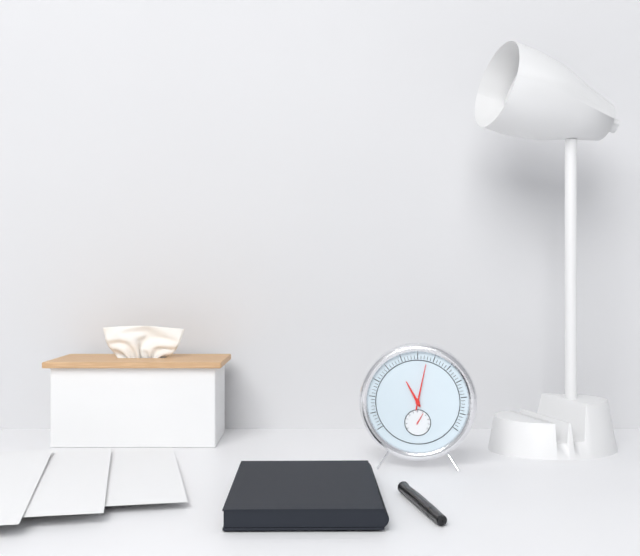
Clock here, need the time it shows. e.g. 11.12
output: 11.02
